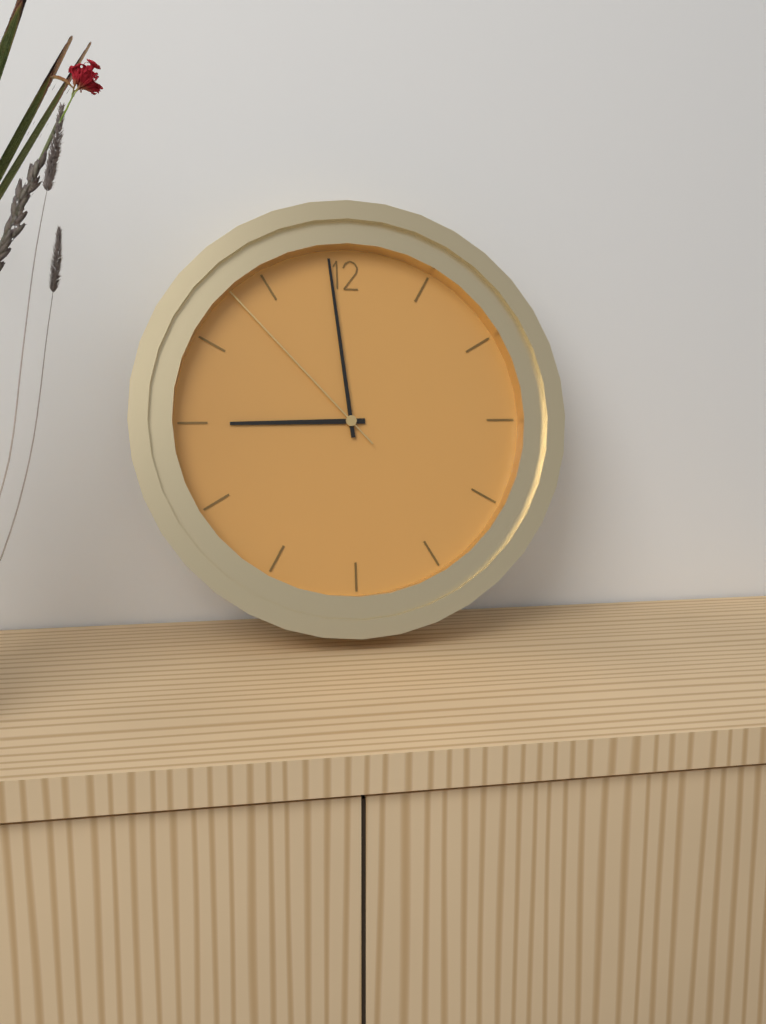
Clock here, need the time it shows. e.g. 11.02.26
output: 8.59.53
